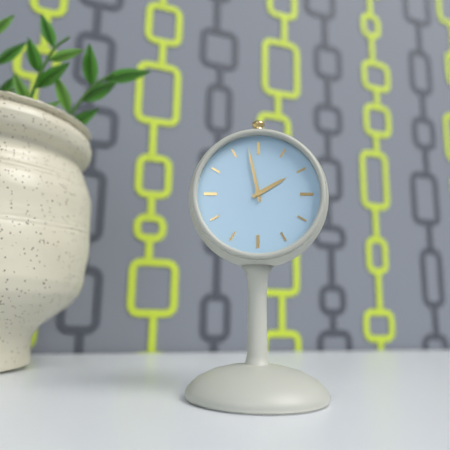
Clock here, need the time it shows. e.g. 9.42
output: 1.58
